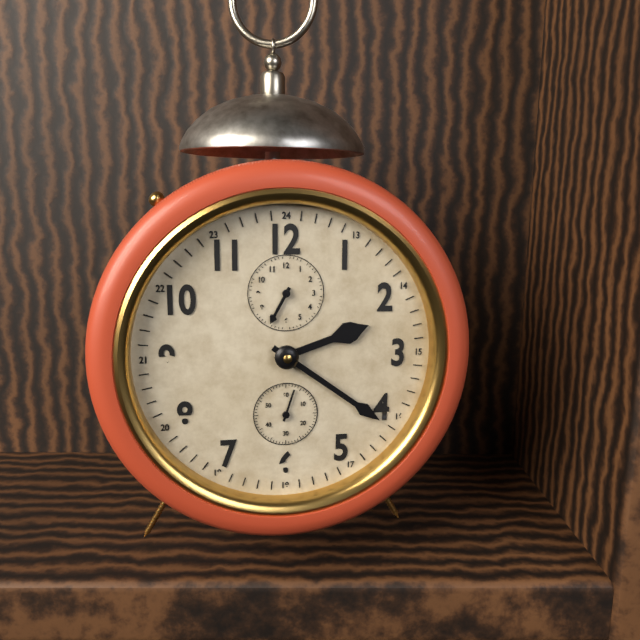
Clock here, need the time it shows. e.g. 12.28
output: 2.21
